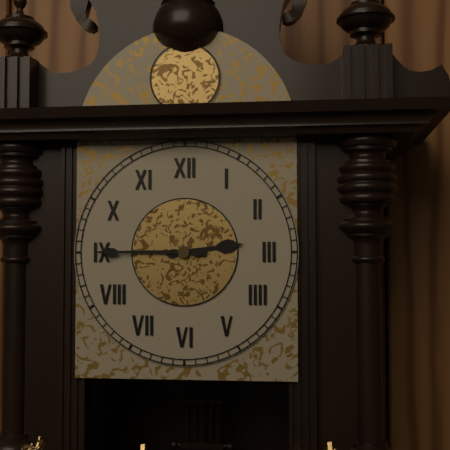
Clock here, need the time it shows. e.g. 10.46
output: 2.45
